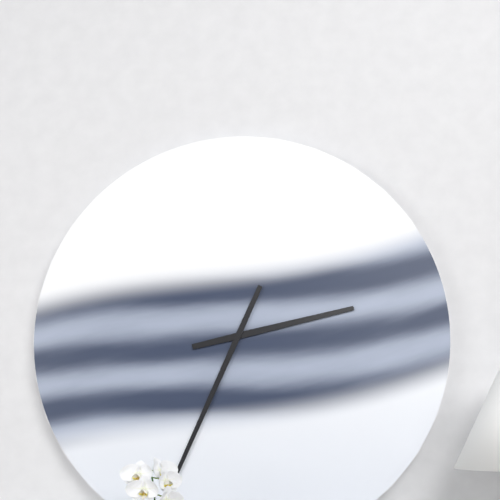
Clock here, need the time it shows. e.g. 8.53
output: 2.34
